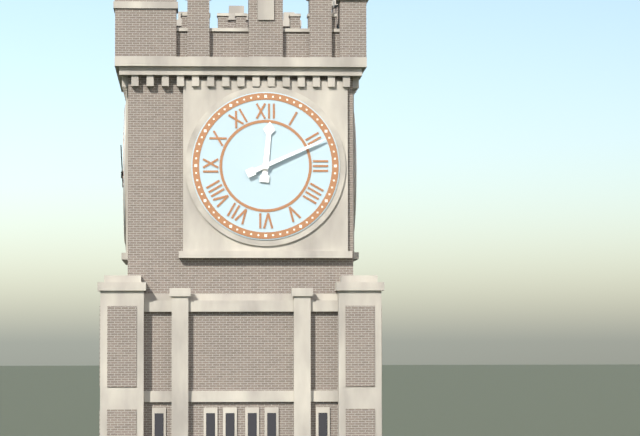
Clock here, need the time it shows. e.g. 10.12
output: 12.11
